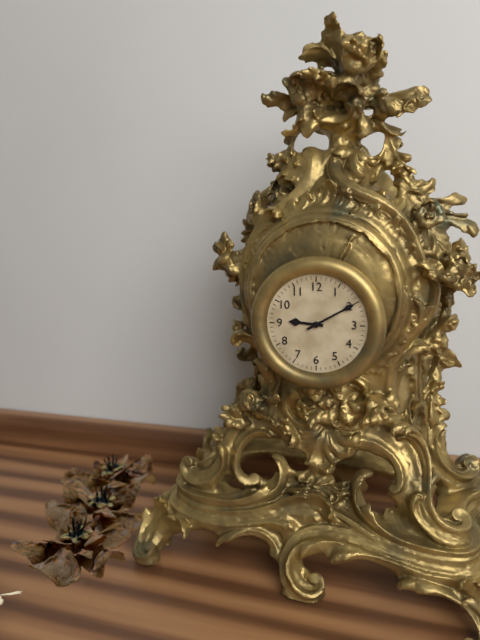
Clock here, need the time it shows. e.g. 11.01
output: 9.10
